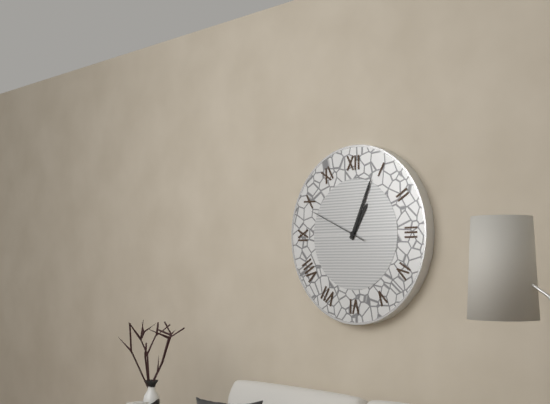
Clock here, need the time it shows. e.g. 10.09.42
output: 1.04.49
